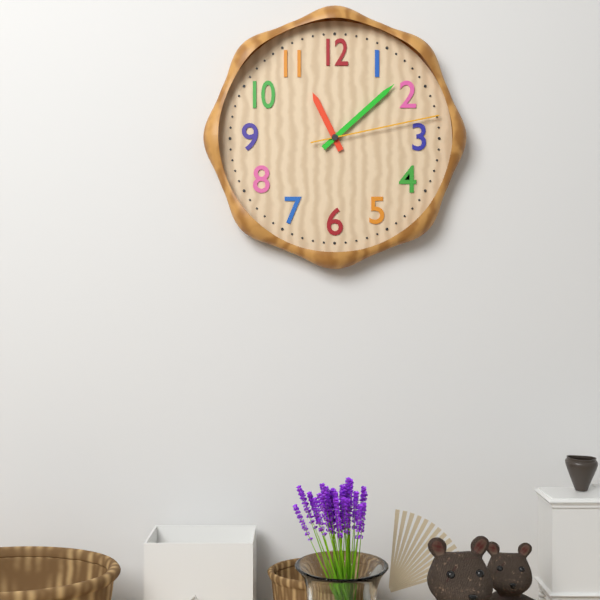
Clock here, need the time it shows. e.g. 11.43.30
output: 11.08.13
